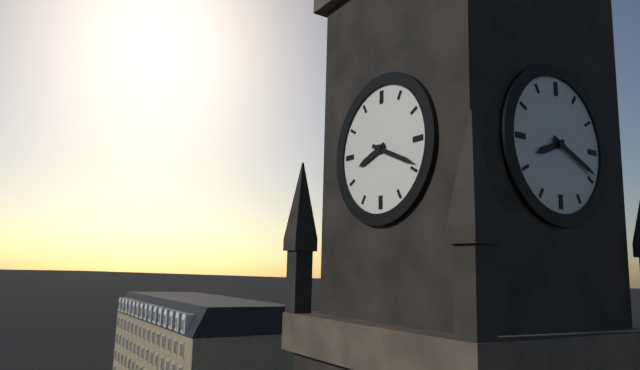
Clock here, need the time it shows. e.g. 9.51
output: 8.19
